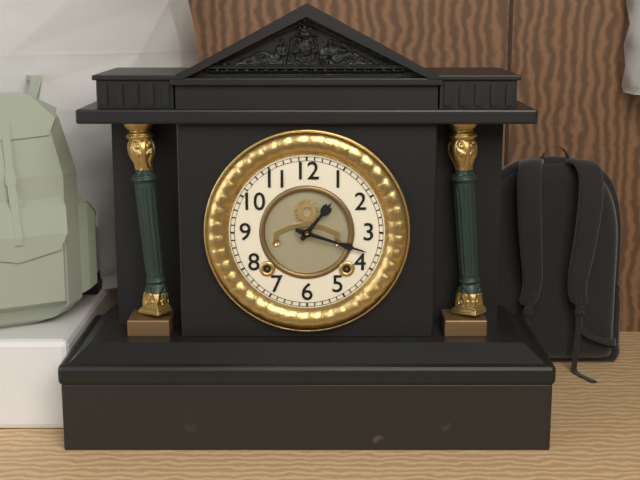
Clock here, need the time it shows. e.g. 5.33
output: 1.18
